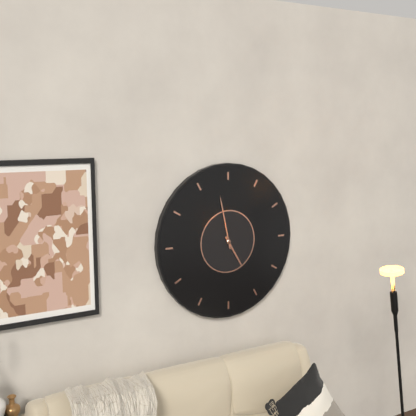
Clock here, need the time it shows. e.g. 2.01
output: 4.58
